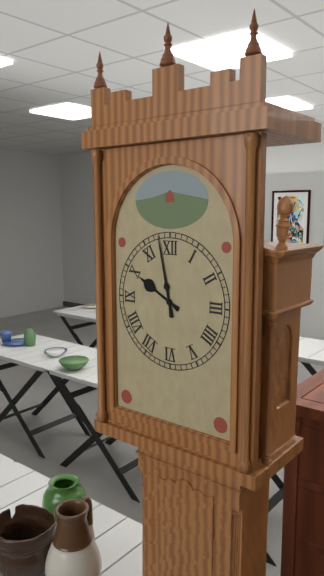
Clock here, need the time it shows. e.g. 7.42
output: 9.58
